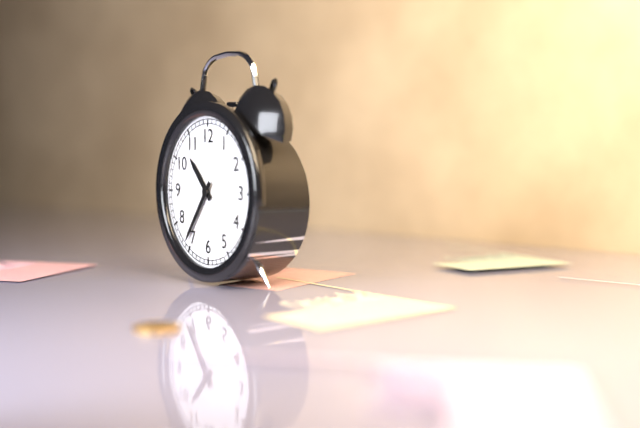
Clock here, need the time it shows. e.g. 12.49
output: 10.36
